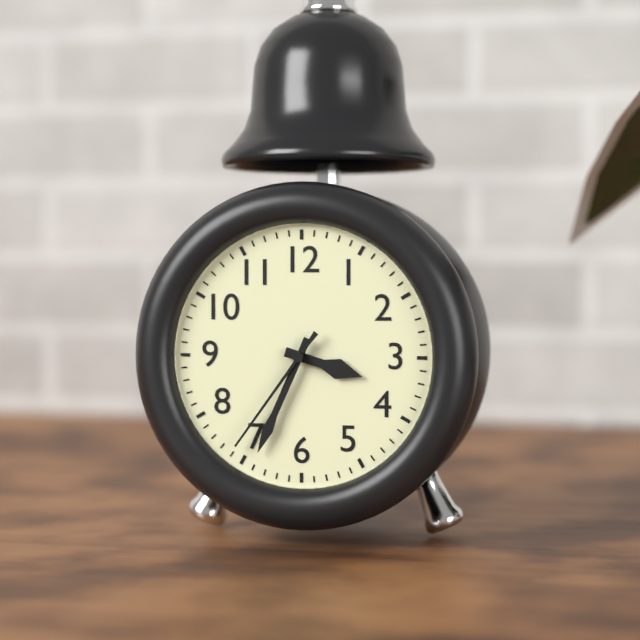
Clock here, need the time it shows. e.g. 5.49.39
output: 3.34.36
